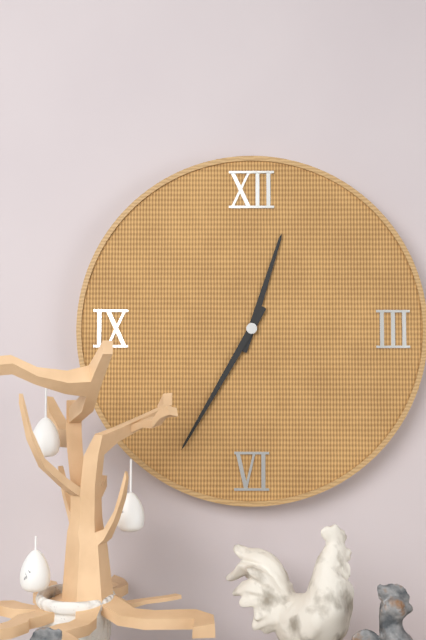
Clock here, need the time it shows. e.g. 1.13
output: 12.35
